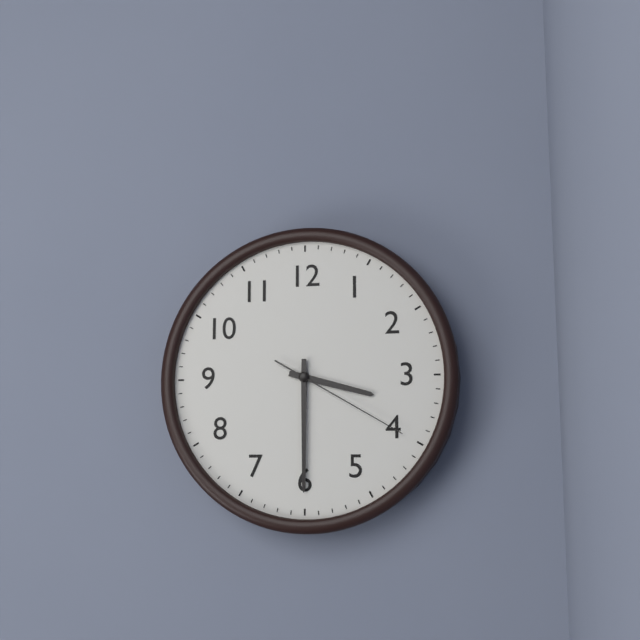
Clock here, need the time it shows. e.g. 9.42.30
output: 3.30.20
